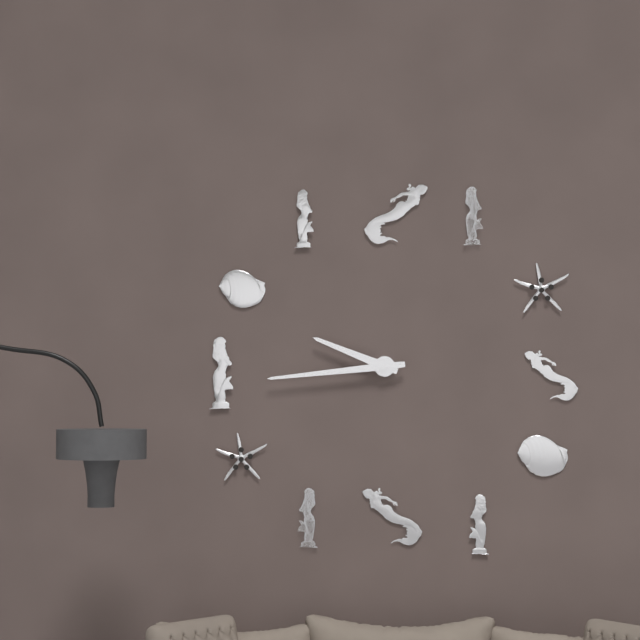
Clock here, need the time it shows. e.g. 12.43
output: 9.44
